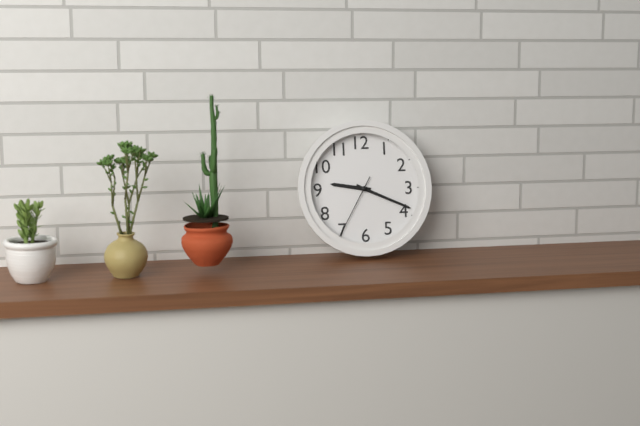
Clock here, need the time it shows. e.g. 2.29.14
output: 9.19.35
